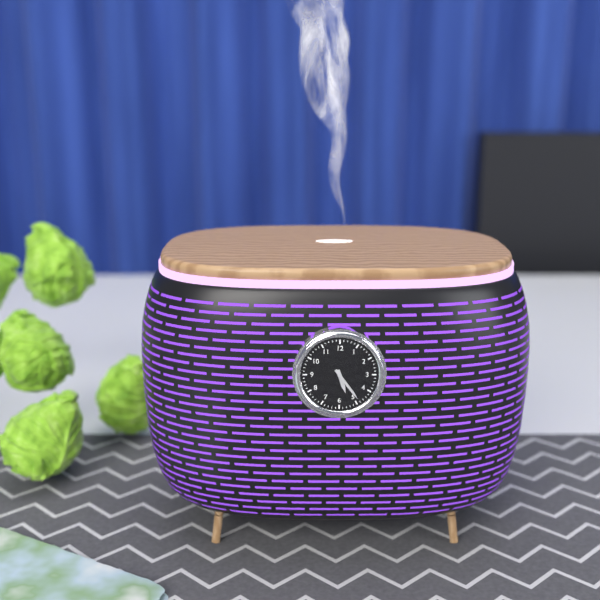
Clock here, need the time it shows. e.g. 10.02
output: 5.24
